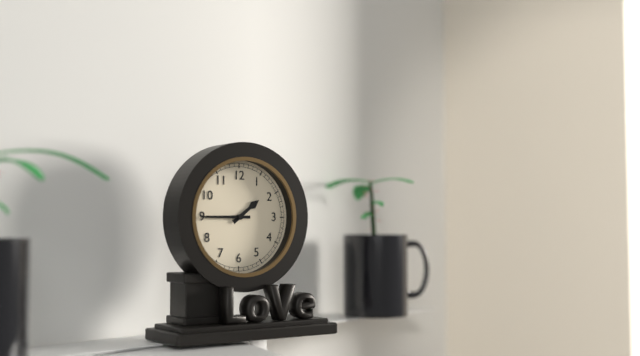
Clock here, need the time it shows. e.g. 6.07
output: 1.45
